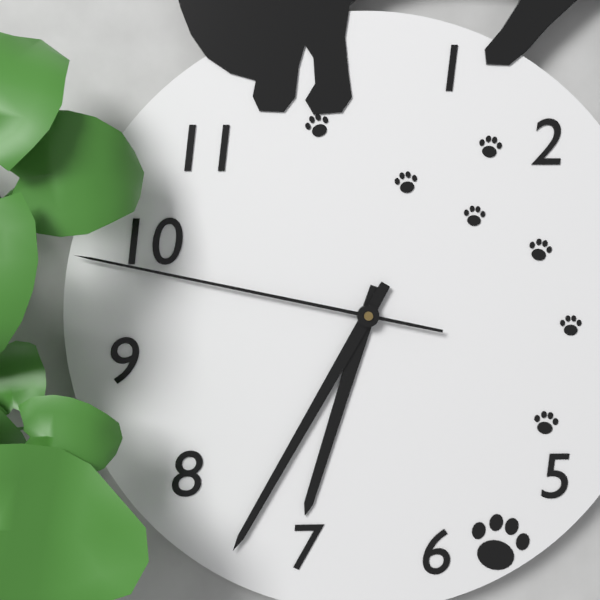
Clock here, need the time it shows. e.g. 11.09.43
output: 6.35.47
